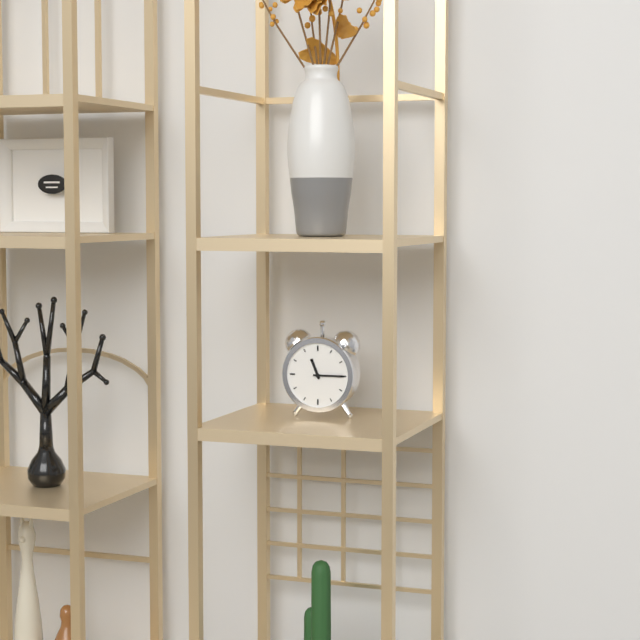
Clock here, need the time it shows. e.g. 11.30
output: 11.15
